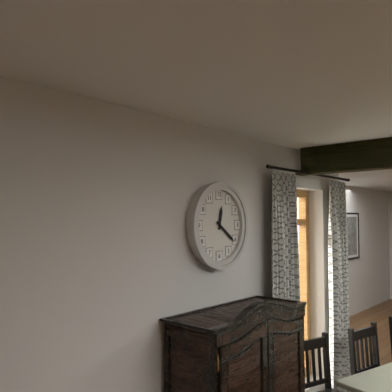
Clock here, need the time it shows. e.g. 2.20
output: 12.21
